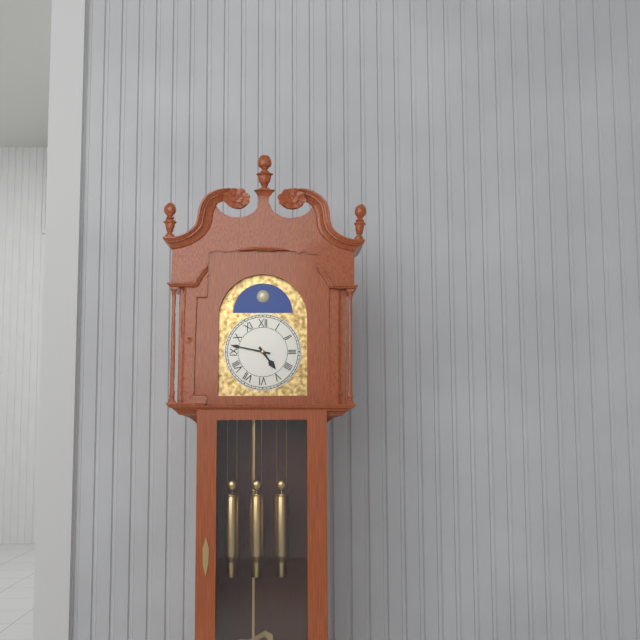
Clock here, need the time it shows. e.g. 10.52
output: 4.47
